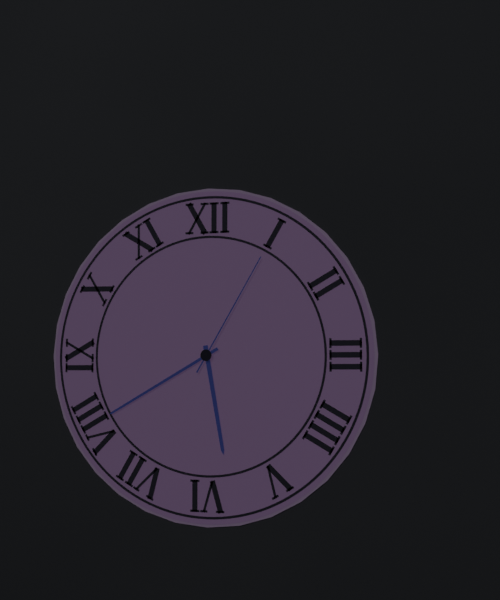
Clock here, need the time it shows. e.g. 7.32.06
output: 5.40.05
